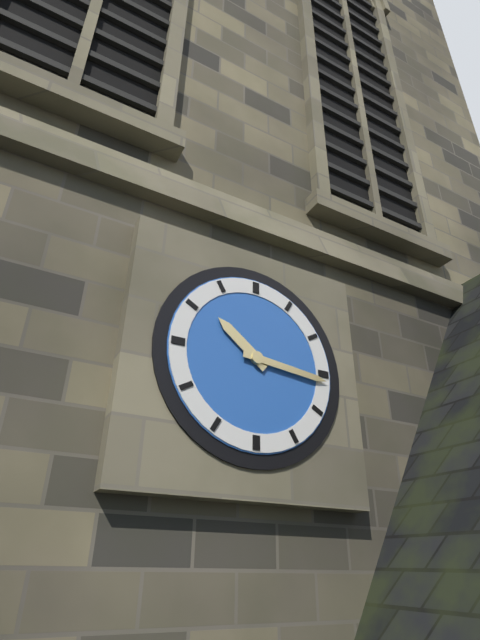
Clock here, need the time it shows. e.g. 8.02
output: 10.16
